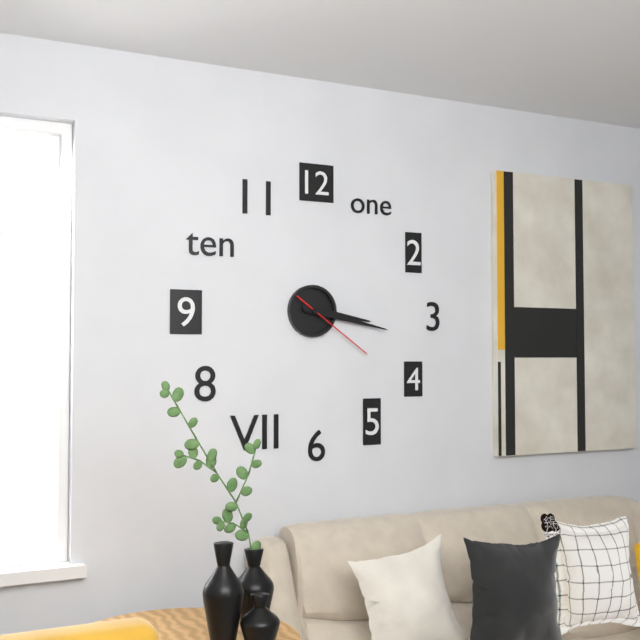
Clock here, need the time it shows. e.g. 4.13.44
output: 3.17.21
